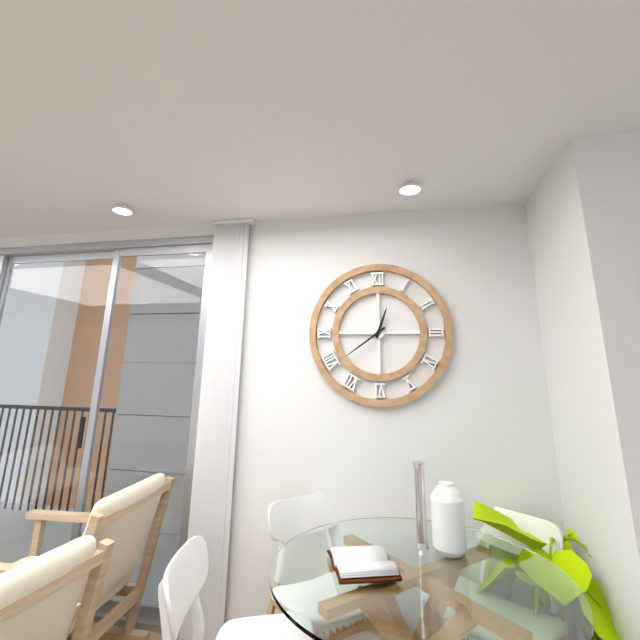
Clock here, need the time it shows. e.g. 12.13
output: 12.39
